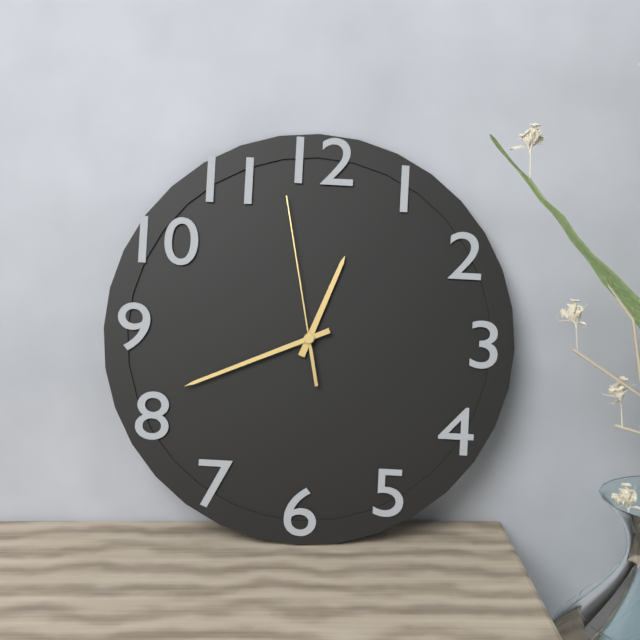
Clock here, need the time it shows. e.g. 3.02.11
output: 12.41.58
